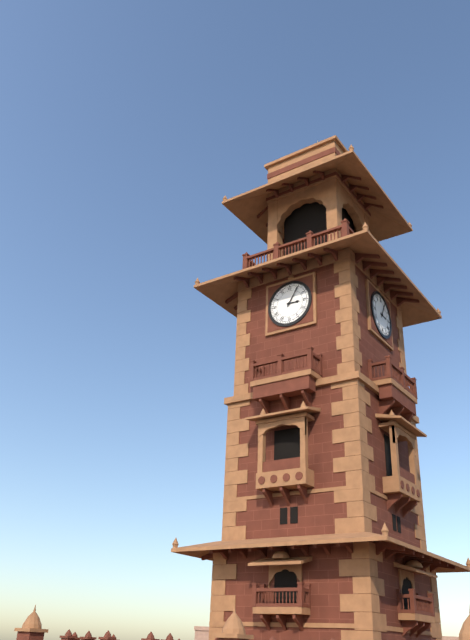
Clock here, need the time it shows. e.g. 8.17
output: 3.05
